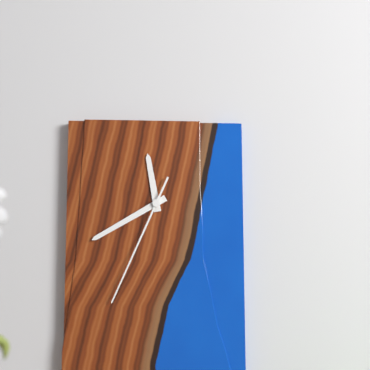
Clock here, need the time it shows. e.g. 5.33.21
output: 11.40.34
